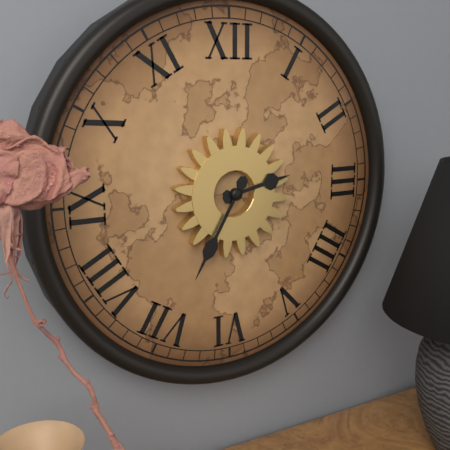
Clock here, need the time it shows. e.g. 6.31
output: 2.35
